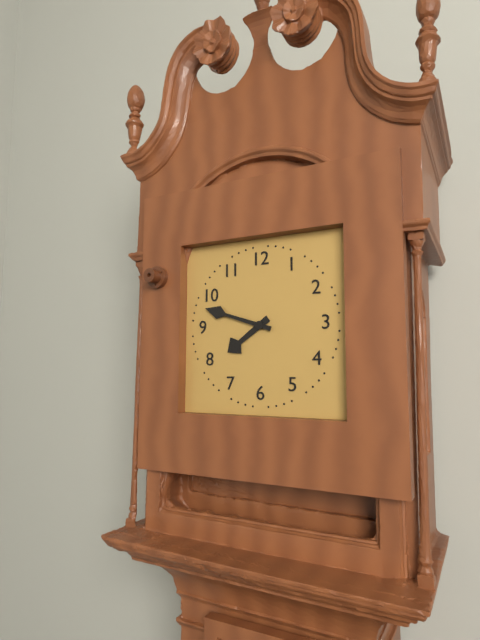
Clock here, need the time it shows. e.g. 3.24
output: 7.48
